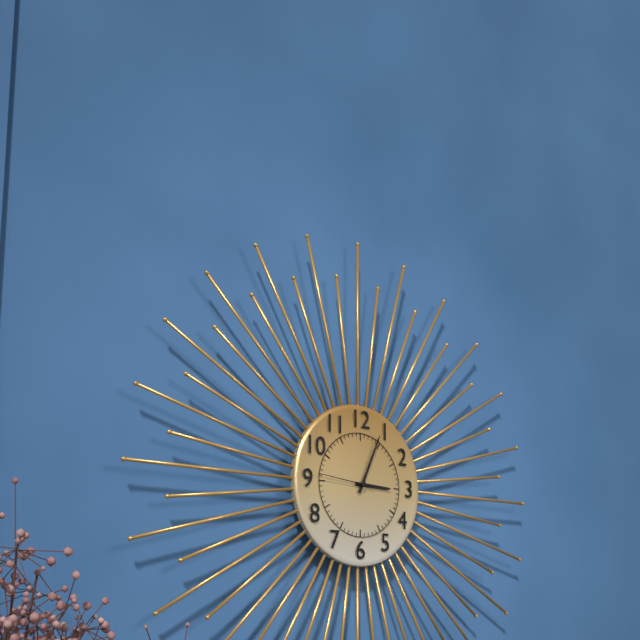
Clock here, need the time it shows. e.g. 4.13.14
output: 3.04.46
